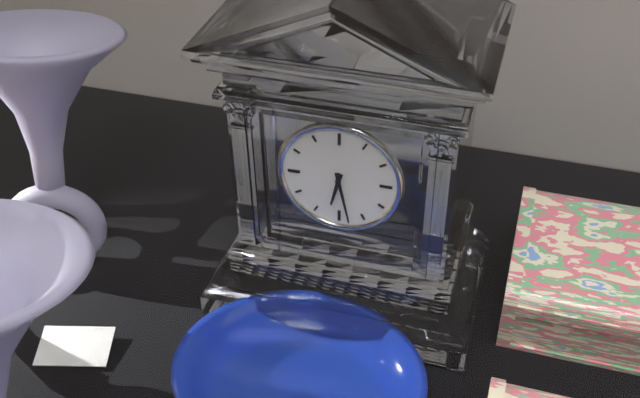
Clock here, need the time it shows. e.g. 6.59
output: 6.28
